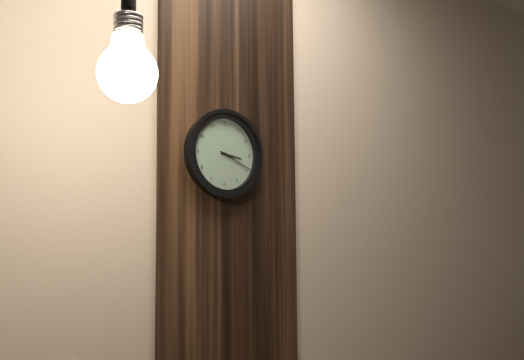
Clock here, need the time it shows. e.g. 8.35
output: 3.19
